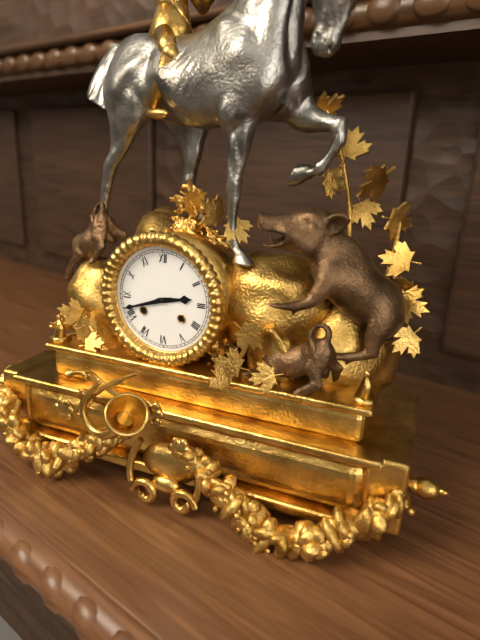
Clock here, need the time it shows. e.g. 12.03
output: 2.42
